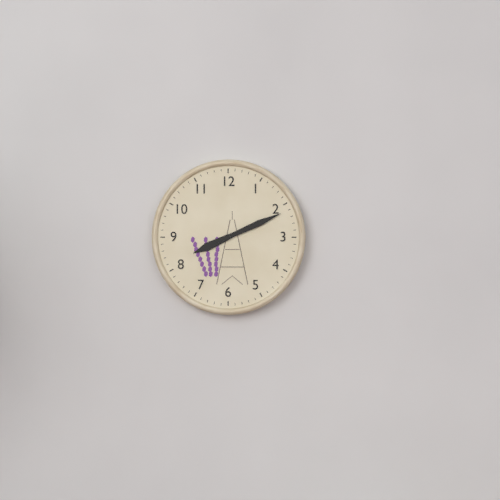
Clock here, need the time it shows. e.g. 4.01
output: 8.11
